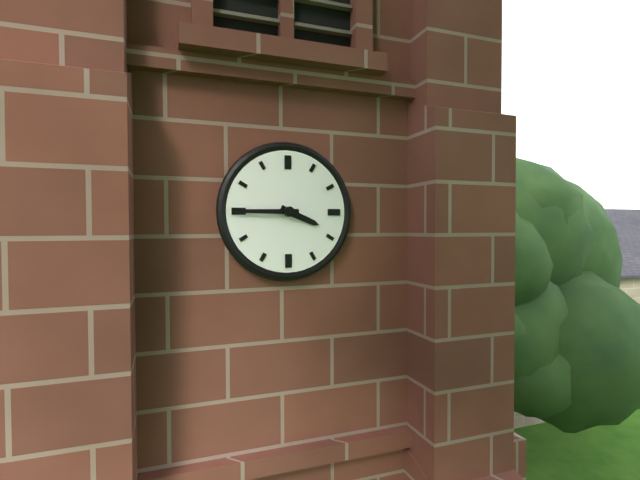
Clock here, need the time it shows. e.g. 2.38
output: 3.45
